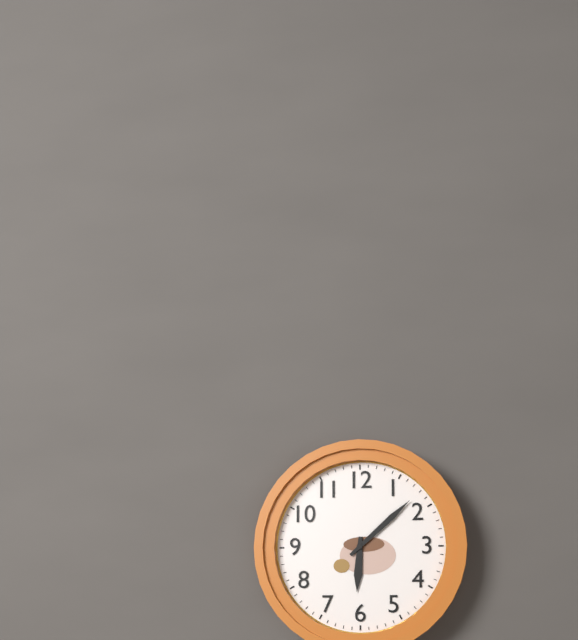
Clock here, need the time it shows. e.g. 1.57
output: 6.08
